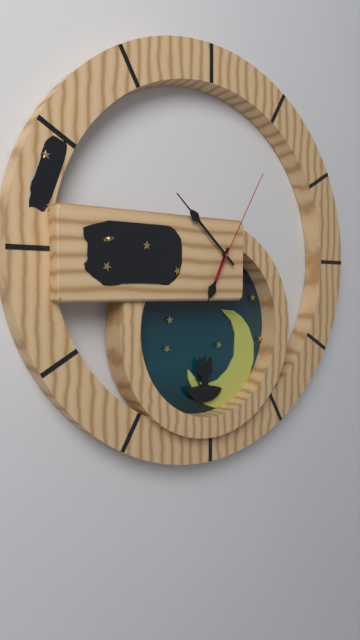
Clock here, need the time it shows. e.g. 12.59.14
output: 6.52.05
